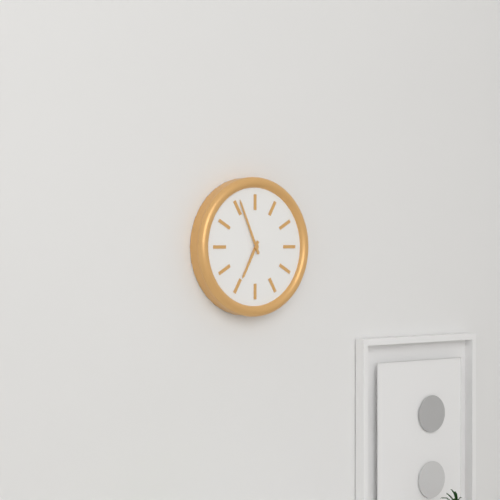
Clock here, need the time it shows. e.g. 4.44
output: 6.56
